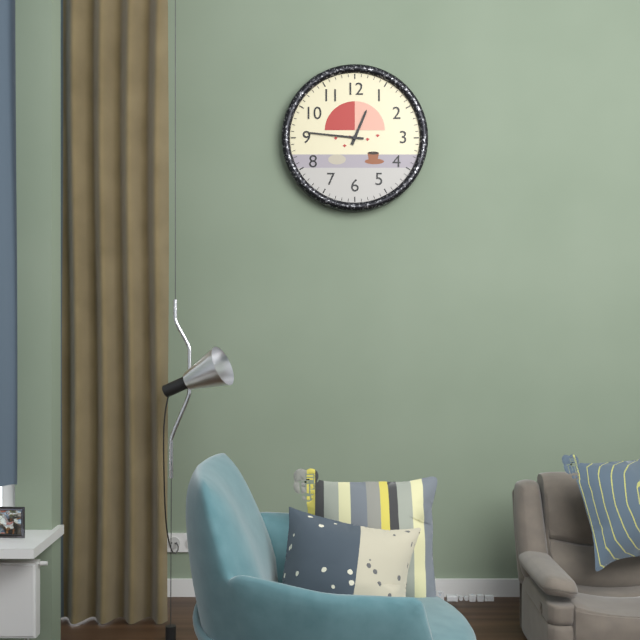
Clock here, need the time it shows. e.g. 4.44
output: 12.46
